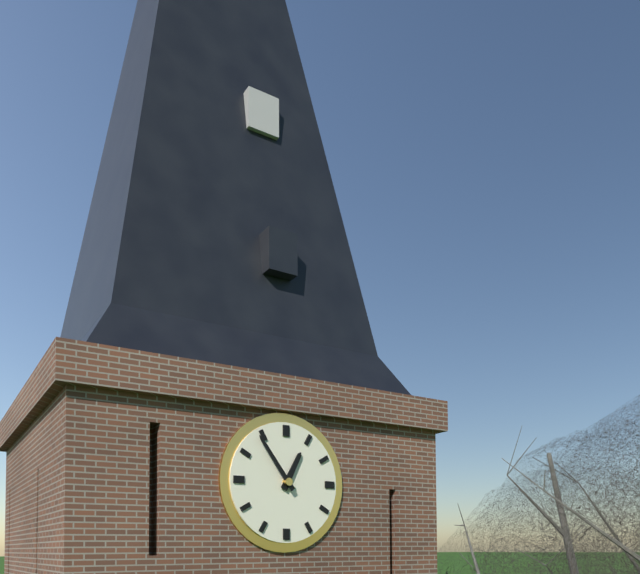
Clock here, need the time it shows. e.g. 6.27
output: 12.54
